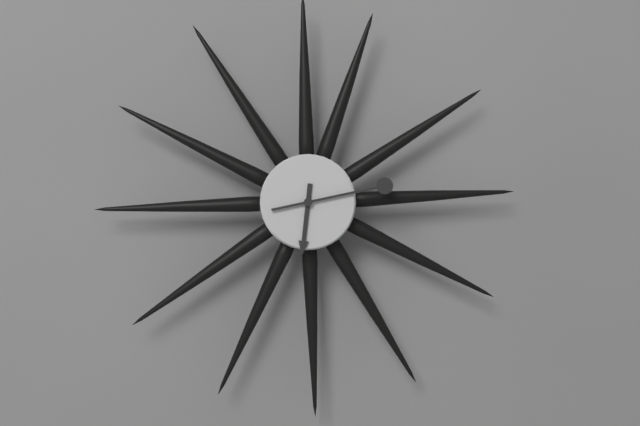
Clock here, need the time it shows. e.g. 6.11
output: 6.13
